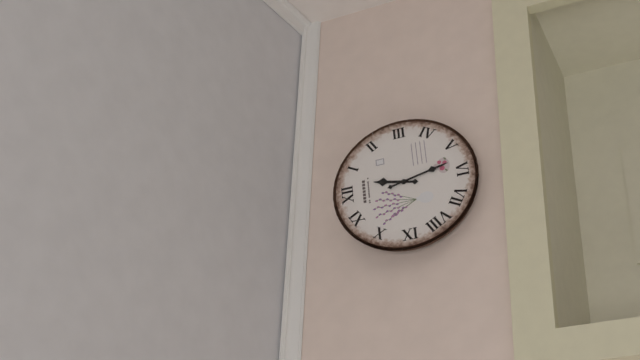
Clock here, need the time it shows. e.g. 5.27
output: 12.28
